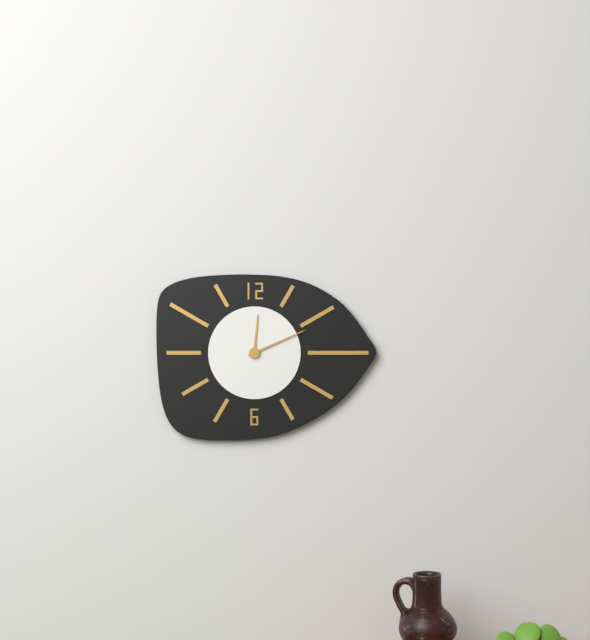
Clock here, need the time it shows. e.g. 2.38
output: 12.11
